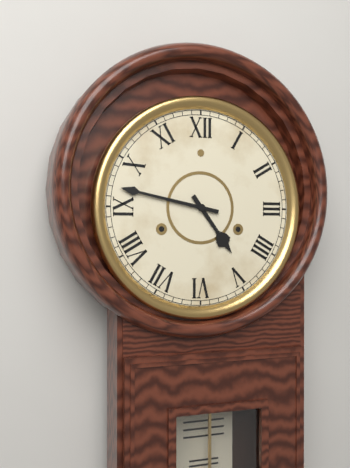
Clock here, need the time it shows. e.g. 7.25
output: 4.47
